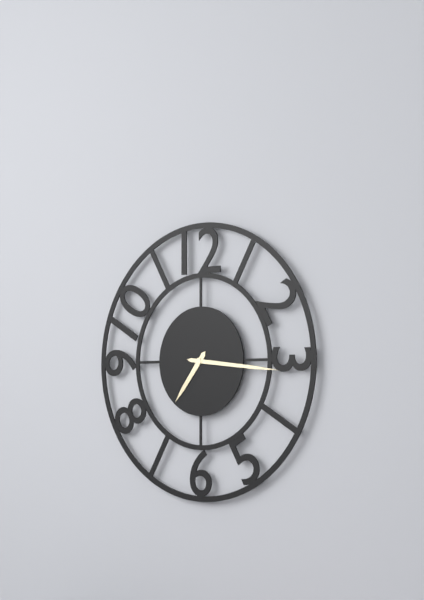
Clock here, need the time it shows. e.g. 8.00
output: 7.16
